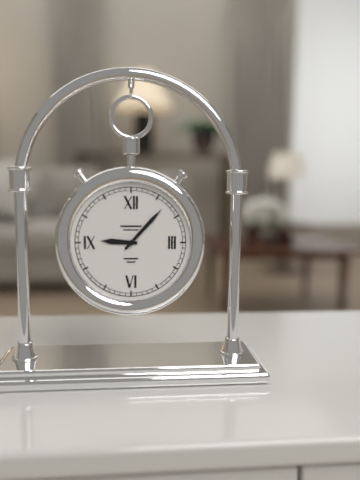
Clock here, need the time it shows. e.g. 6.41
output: 9.07
